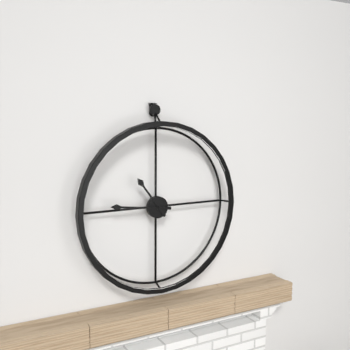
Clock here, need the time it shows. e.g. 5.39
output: 10.46
